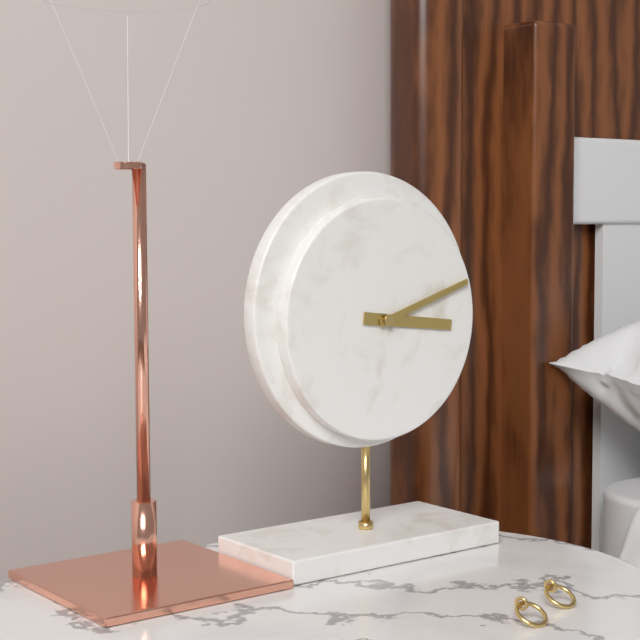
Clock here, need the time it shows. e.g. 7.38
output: 3.12
